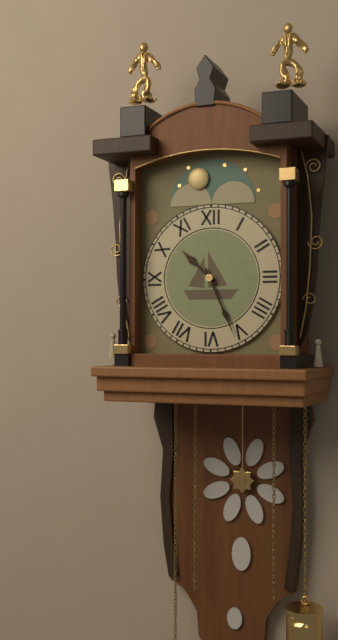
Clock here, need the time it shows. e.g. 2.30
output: 10.26
